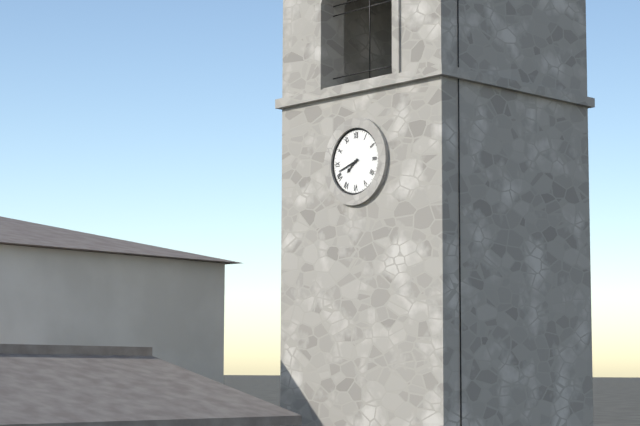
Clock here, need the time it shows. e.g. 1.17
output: 7.42
